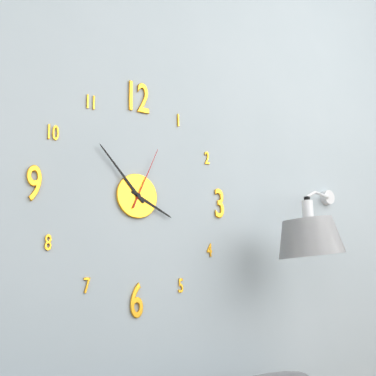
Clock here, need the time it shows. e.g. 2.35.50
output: 3.53.04
